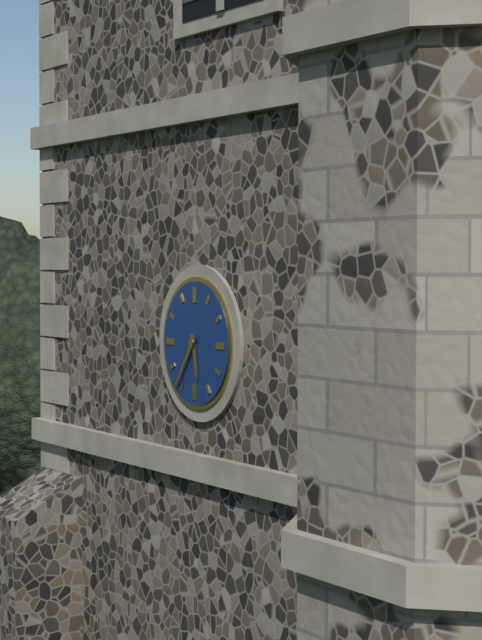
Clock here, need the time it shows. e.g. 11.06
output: 5.36
